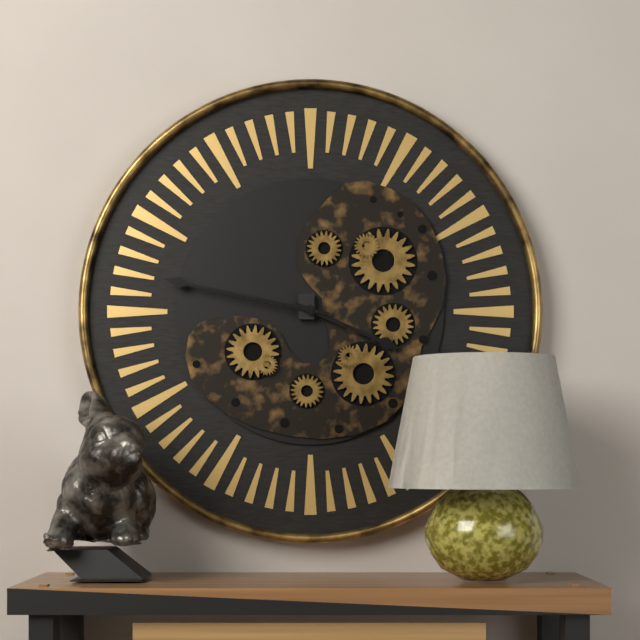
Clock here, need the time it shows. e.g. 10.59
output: 3.47
